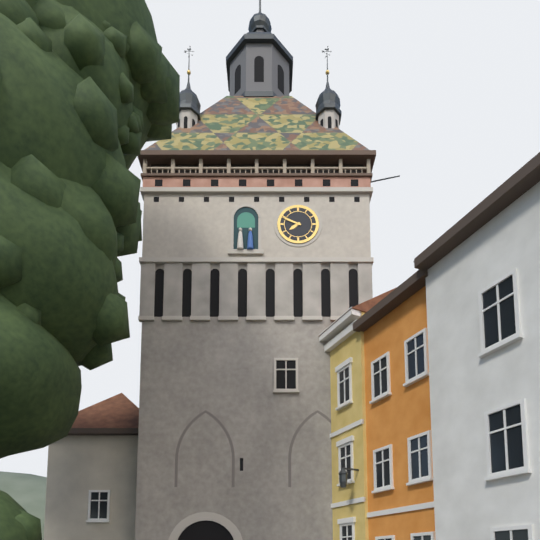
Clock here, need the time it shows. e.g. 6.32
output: 7.49
